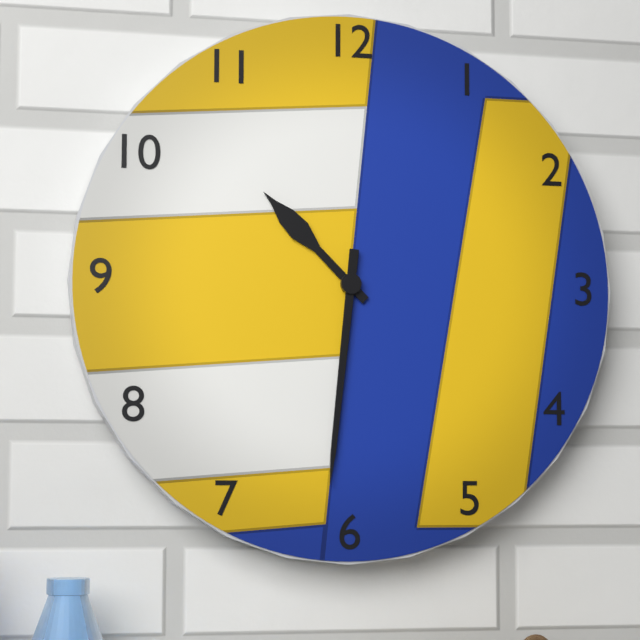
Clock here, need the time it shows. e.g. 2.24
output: 10.31
